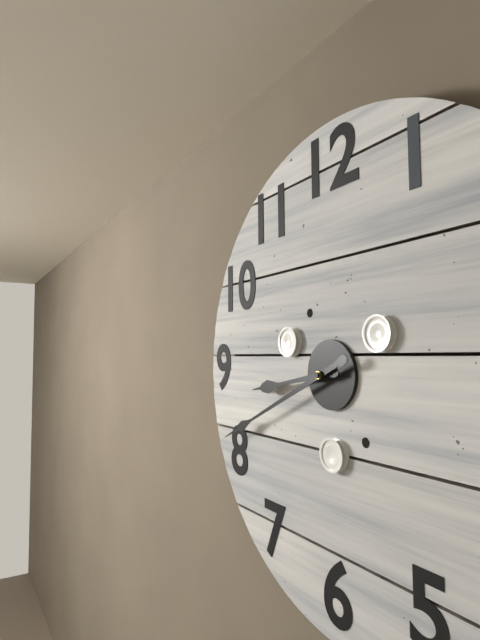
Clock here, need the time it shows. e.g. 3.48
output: 8.41
